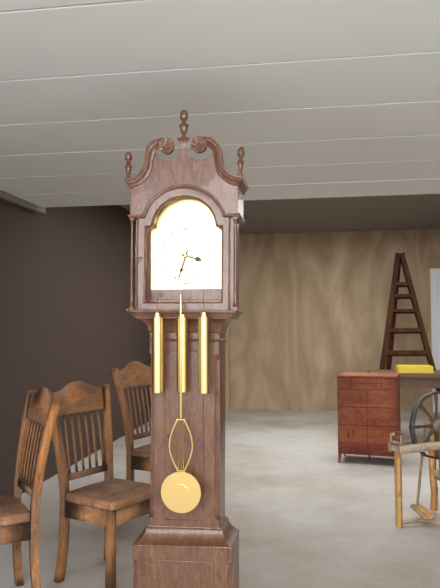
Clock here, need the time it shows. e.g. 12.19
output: 3.33
